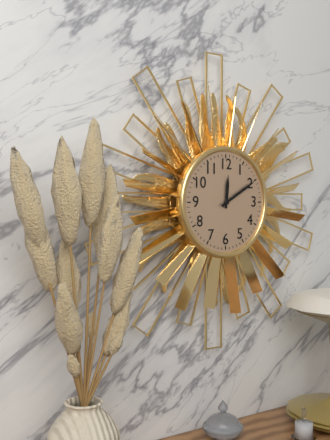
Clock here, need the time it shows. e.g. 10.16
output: 12.10
